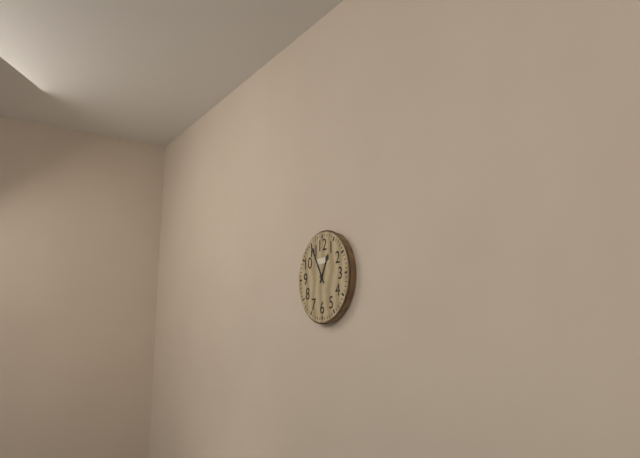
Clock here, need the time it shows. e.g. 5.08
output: 12.55
